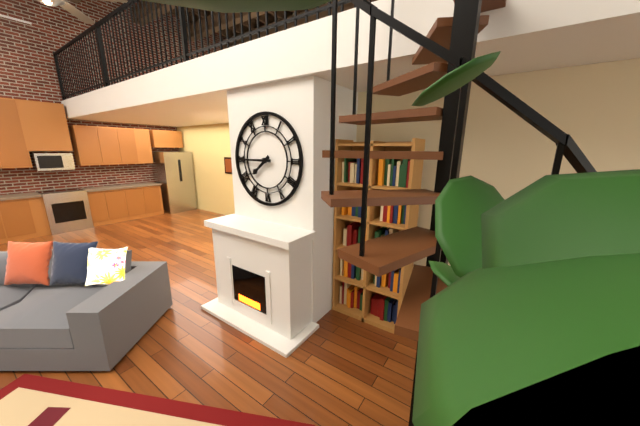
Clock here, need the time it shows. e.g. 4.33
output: 7.45
